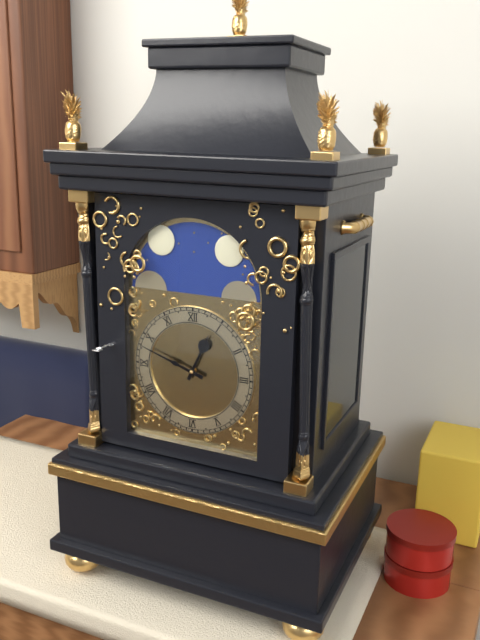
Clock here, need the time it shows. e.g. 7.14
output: 12.48
